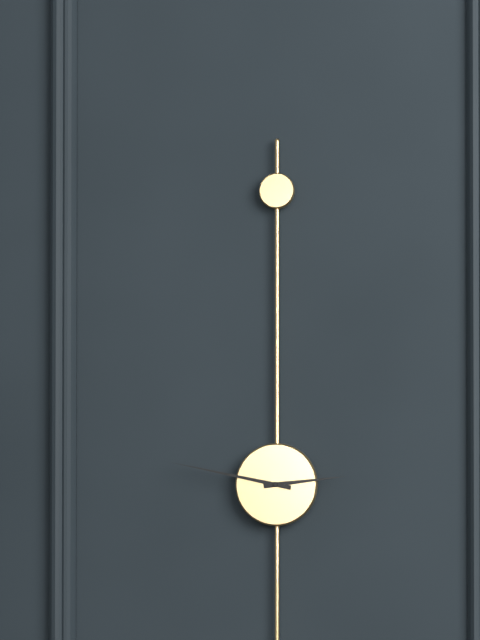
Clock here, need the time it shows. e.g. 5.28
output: 2.47
